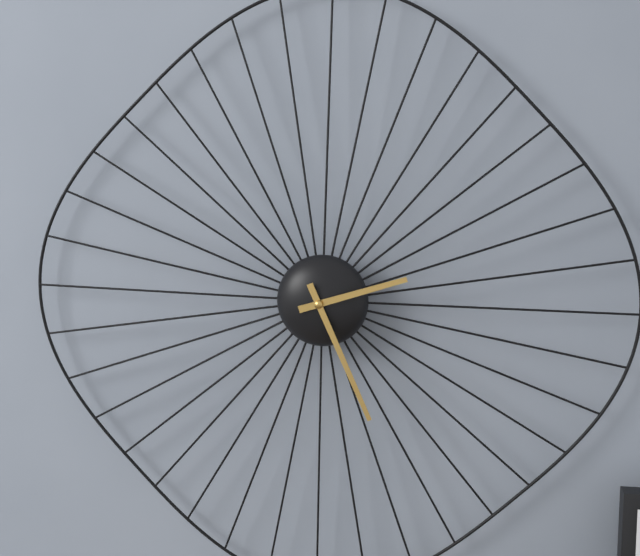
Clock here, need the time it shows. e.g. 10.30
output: 2.26
